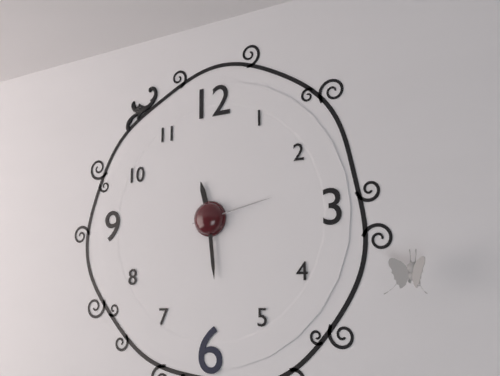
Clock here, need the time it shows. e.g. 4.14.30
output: 11.29.13
